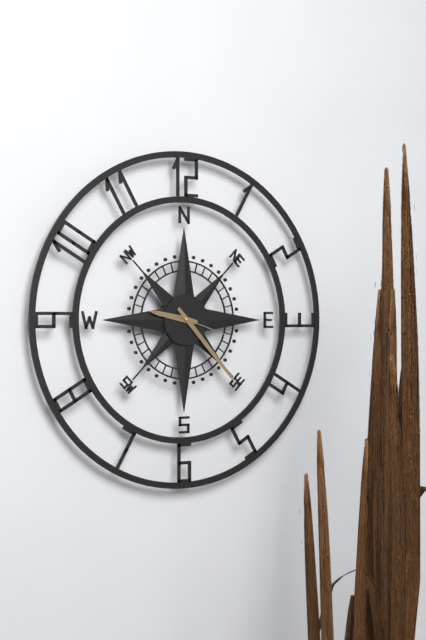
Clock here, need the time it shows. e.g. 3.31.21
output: 9.23.18
